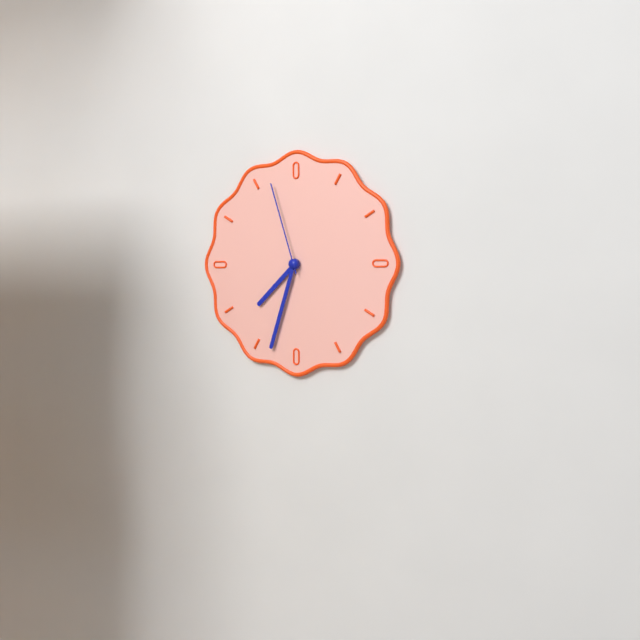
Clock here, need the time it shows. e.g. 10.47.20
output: 7.33.57
